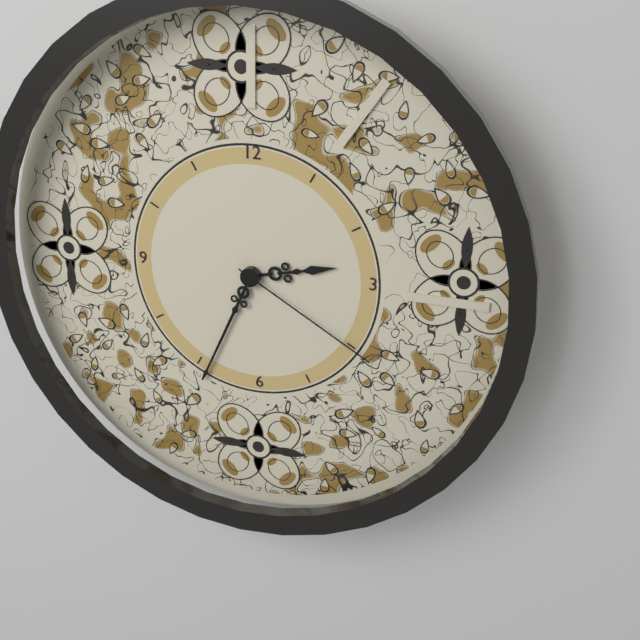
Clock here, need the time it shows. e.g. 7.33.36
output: 2.34.20
